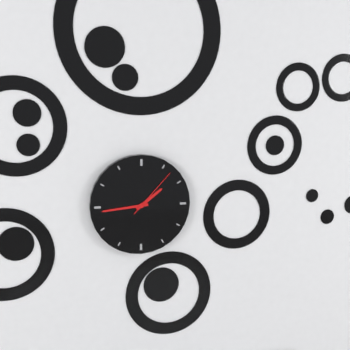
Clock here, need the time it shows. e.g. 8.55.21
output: 1.44.07
